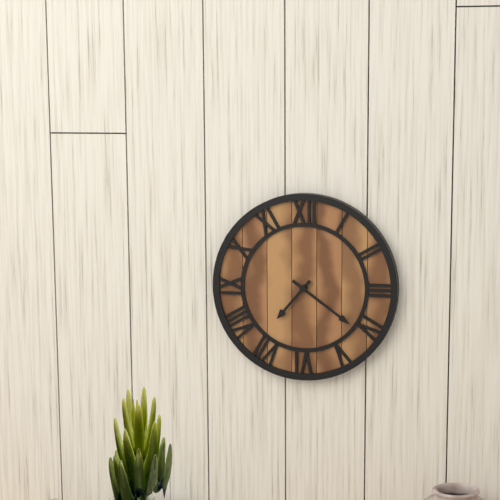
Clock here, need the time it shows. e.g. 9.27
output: 7.21
